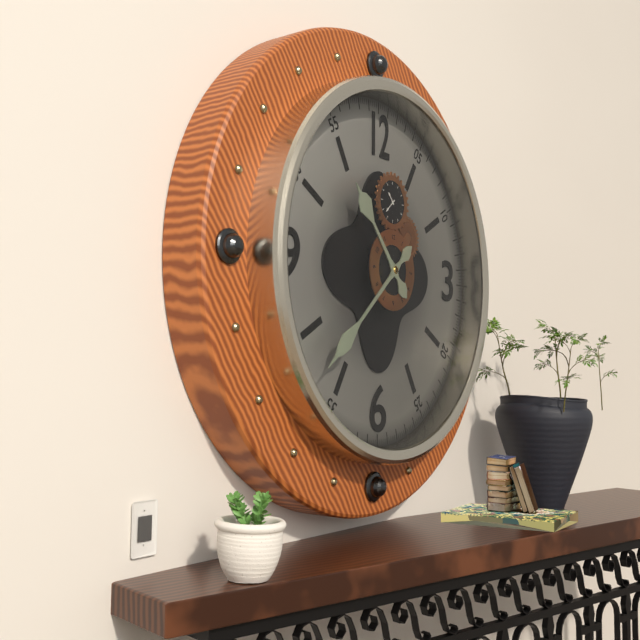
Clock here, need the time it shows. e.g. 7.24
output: 10.38
